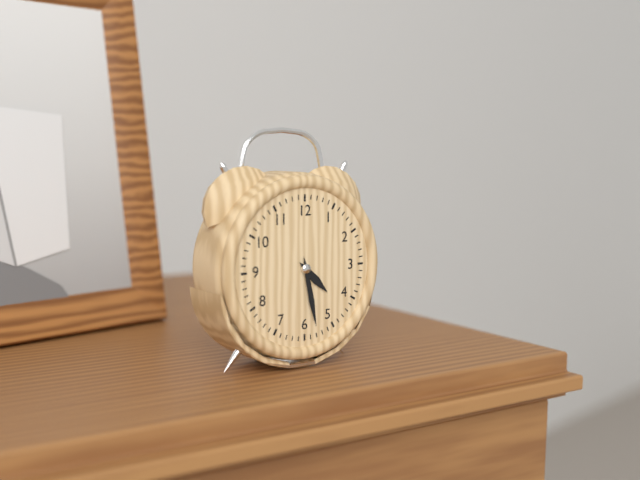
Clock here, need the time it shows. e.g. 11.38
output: 4.28
